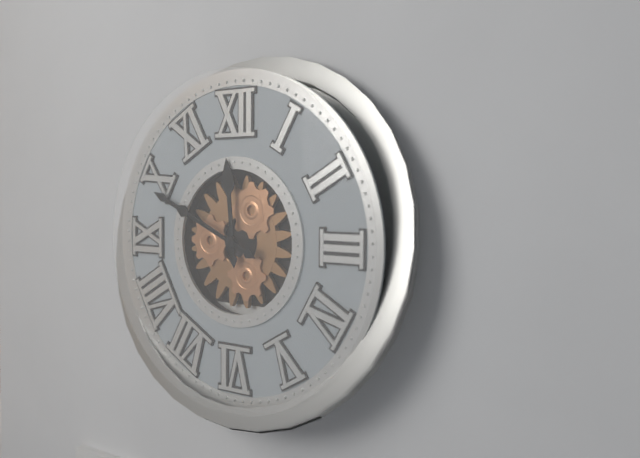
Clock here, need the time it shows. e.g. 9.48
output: 11.49
